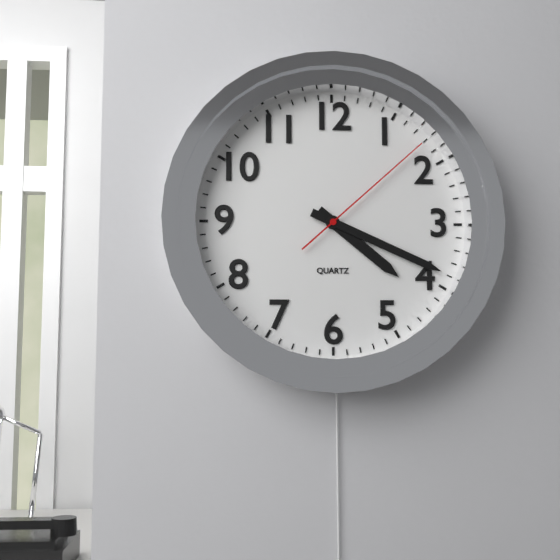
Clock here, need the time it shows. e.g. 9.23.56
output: 4.19.08
